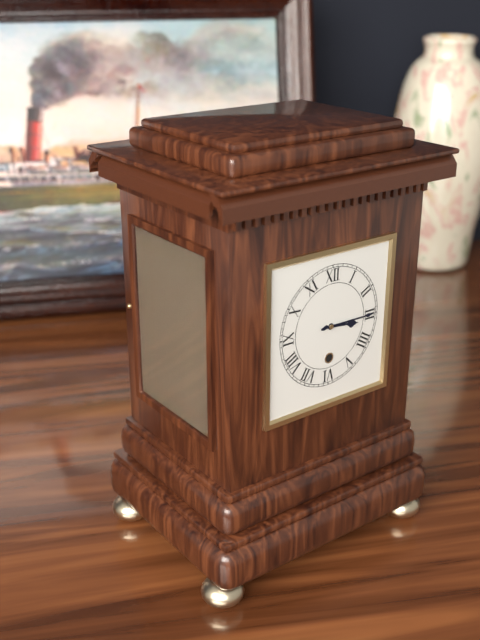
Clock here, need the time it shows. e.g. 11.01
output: 3.15
